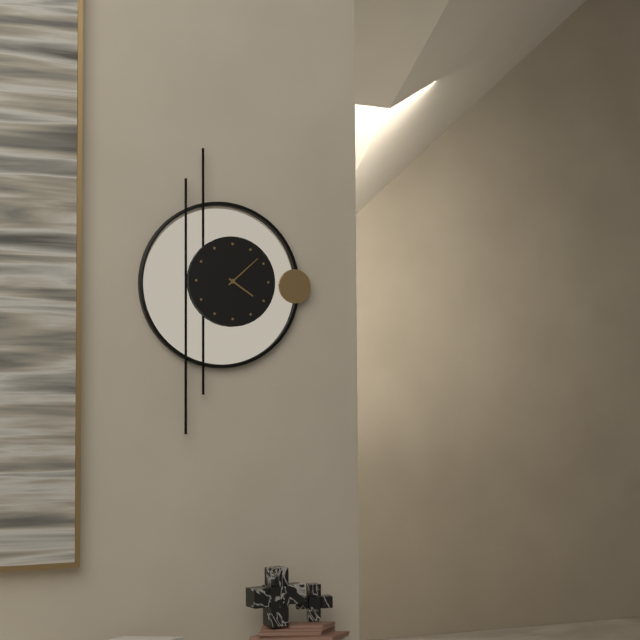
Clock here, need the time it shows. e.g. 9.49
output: 4.08
